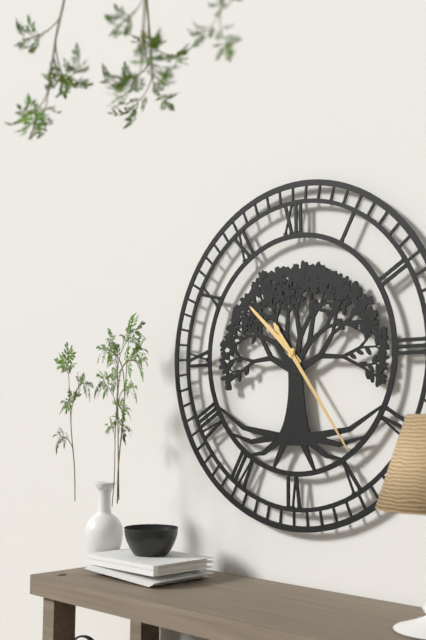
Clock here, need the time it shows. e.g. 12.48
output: 10.24
